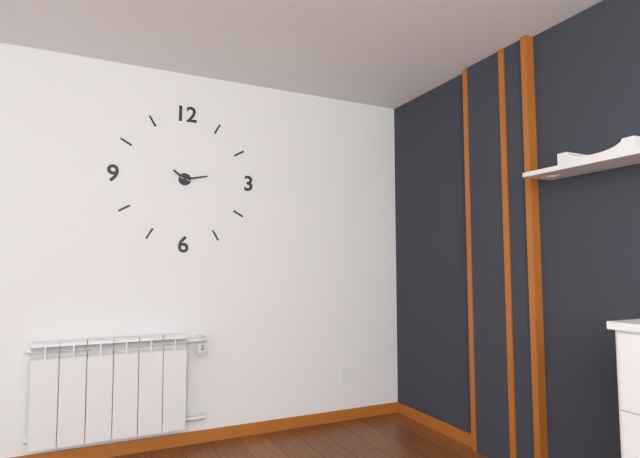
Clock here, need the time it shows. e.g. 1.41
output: 10.13
